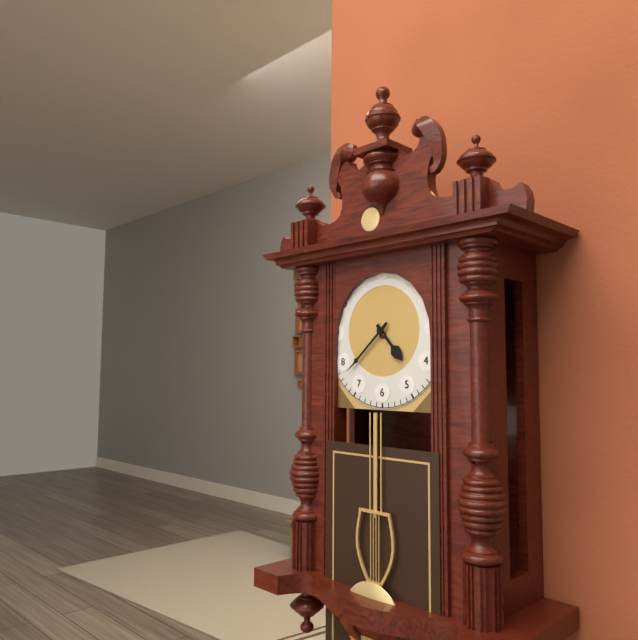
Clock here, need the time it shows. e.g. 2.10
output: 4.38
